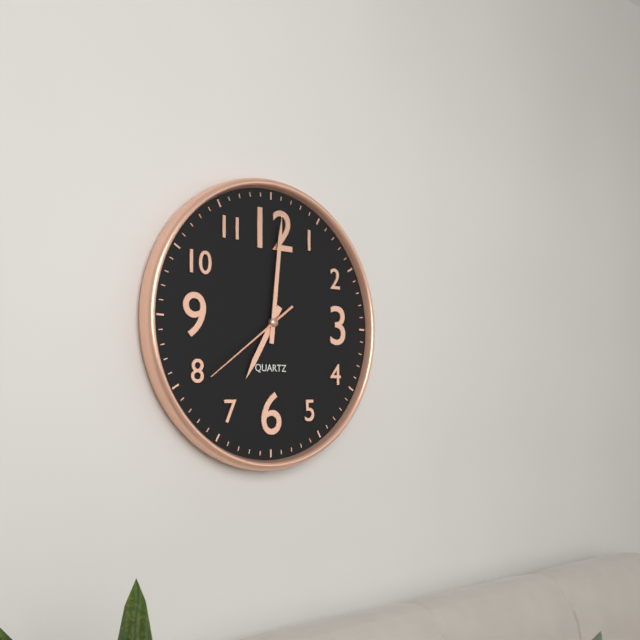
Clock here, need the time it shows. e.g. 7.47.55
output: 7.01.39
